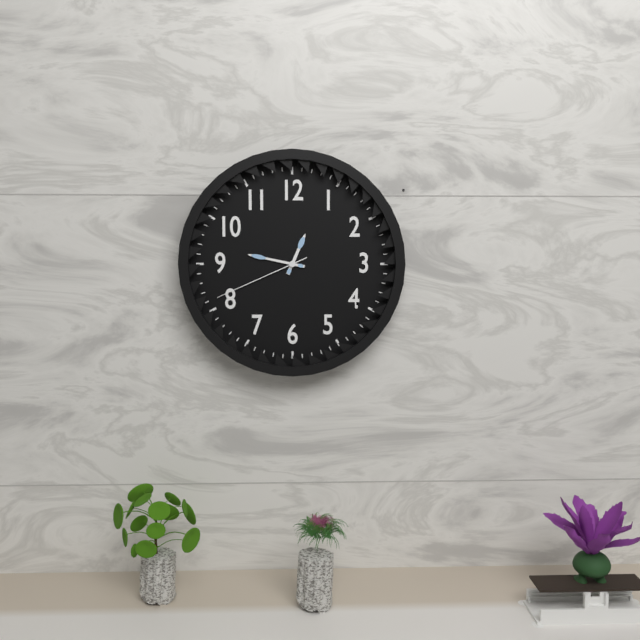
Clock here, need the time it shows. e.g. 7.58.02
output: 12.47.41
